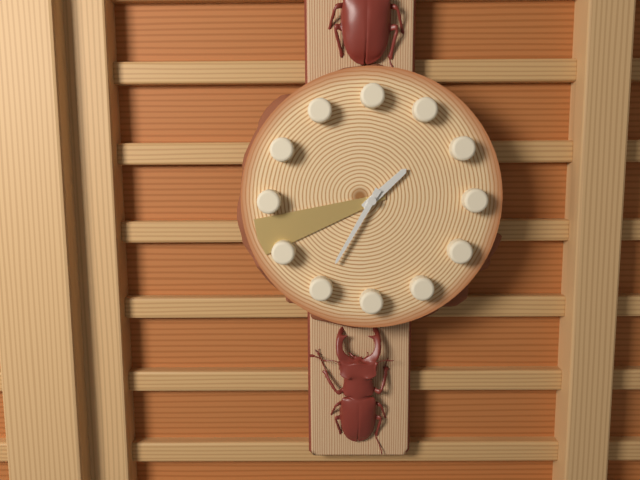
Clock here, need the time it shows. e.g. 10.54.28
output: 1.35.42
